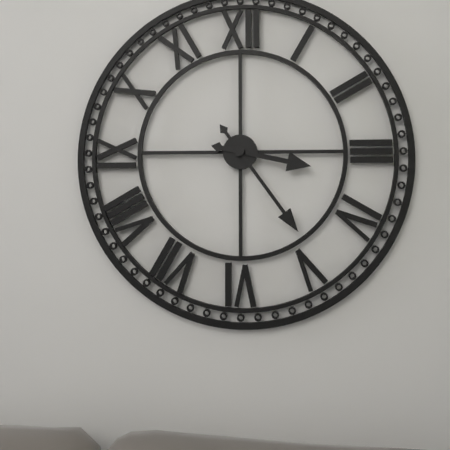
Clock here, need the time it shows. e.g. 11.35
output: 3.24
